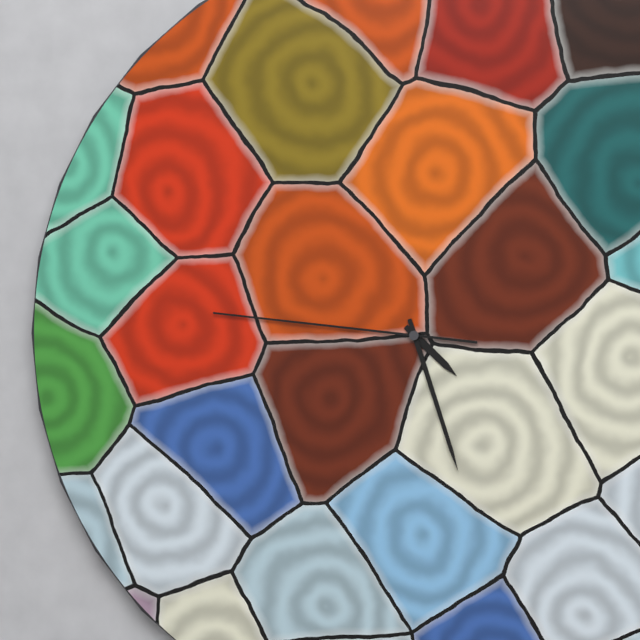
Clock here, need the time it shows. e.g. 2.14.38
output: 4.27.46
